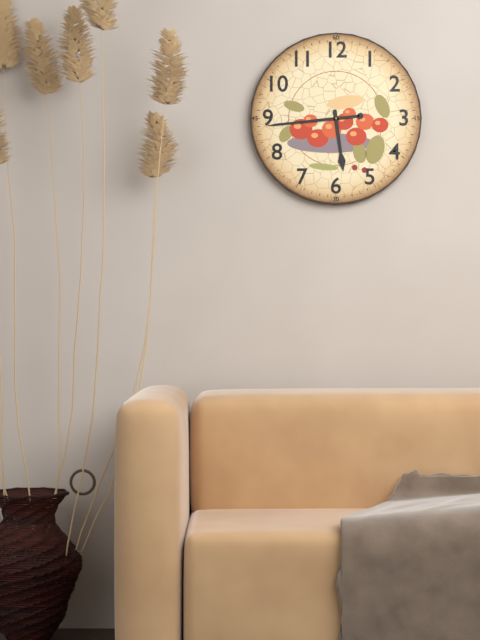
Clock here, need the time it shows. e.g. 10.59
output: 5.44
